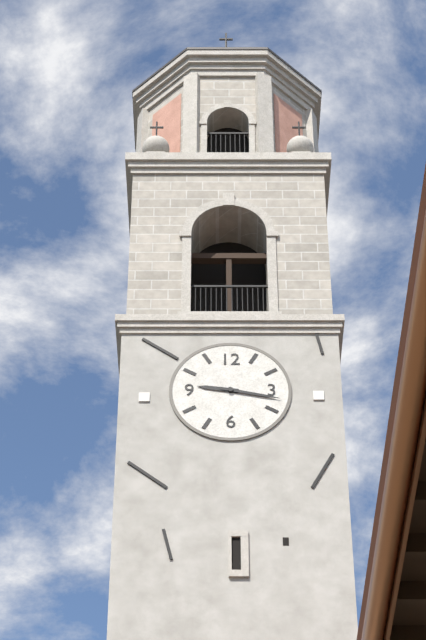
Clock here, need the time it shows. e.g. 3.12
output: 9.17
